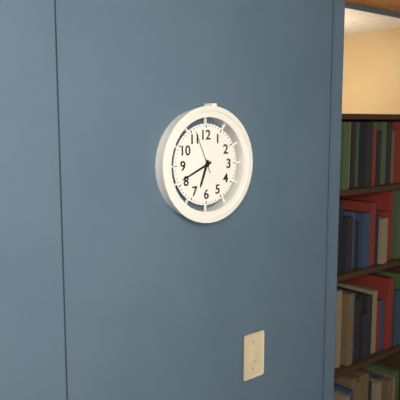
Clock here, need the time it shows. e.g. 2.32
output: 6.41
